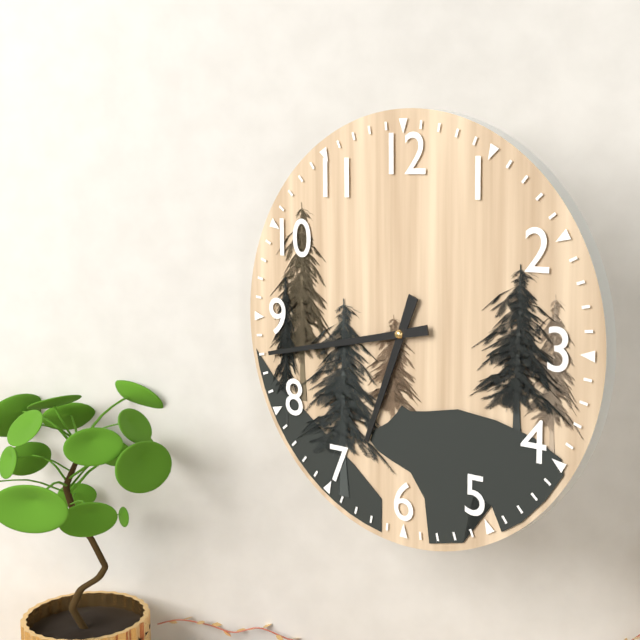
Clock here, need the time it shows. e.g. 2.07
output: 6.43
